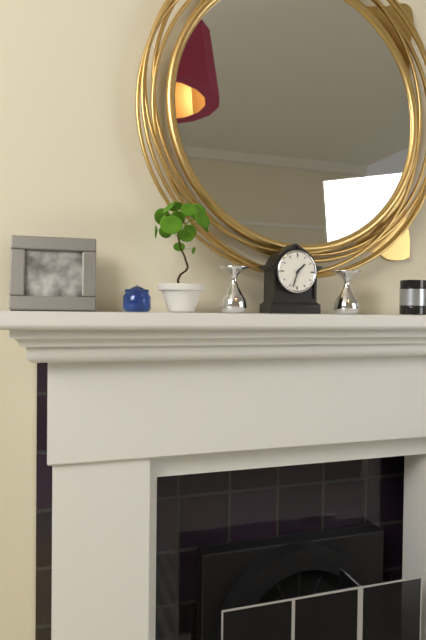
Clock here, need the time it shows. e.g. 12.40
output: 1.33
